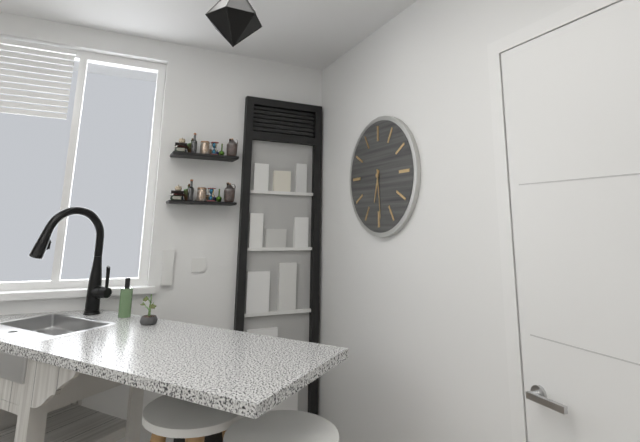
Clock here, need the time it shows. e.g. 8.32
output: 6.29
